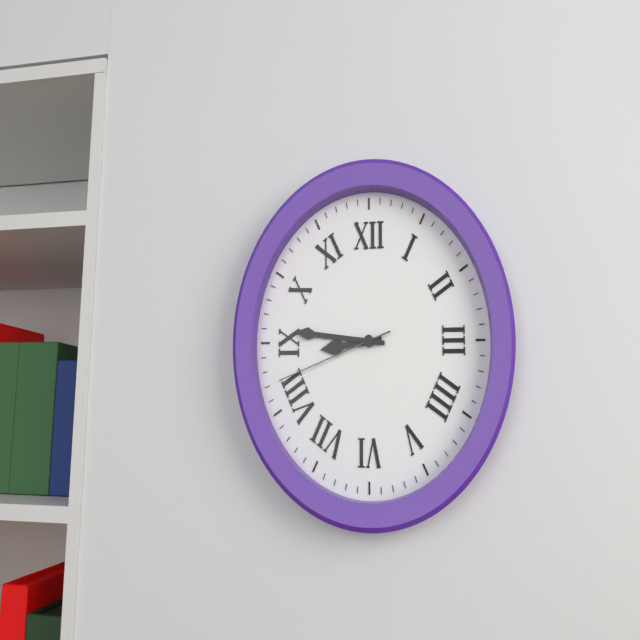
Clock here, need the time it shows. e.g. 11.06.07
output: 8.46.42
